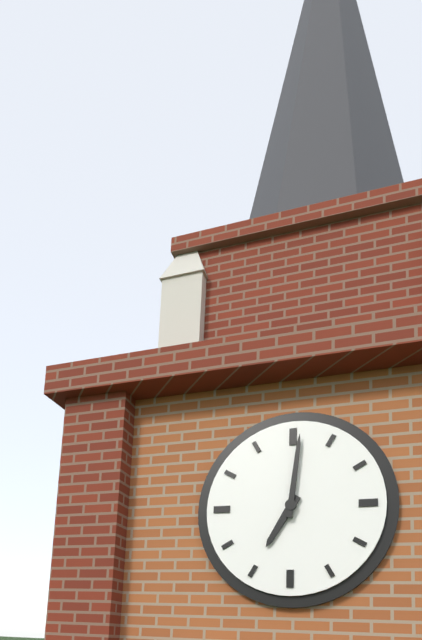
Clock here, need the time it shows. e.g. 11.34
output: 7.01
